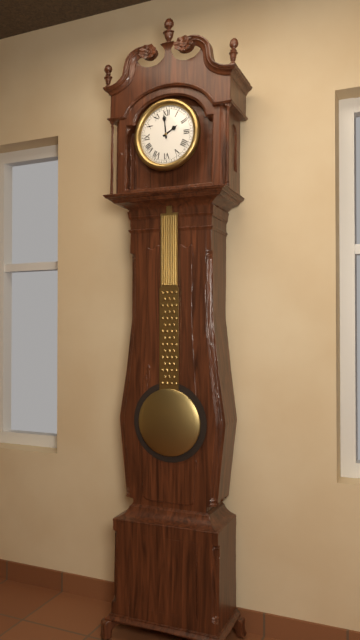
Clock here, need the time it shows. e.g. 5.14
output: 1.59
